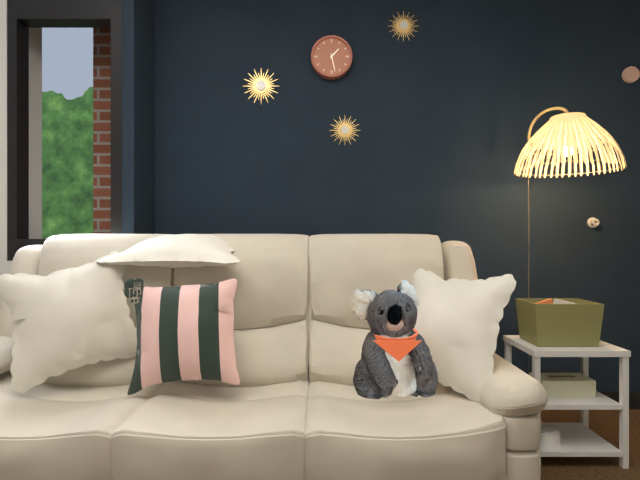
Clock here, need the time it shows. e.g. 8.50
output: 1.28
